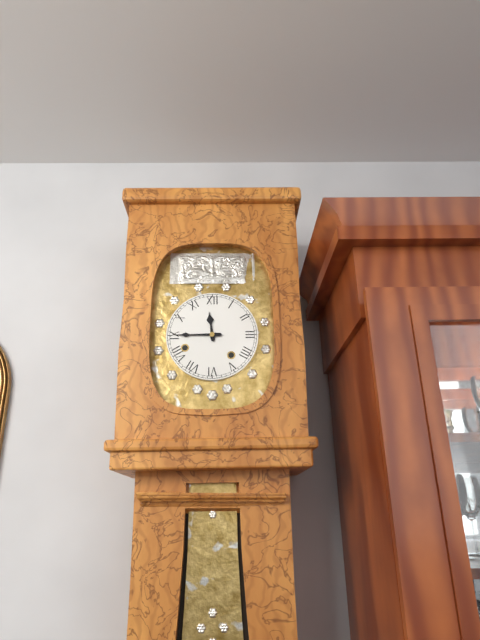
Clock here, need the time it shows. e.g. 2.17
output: 11.45
